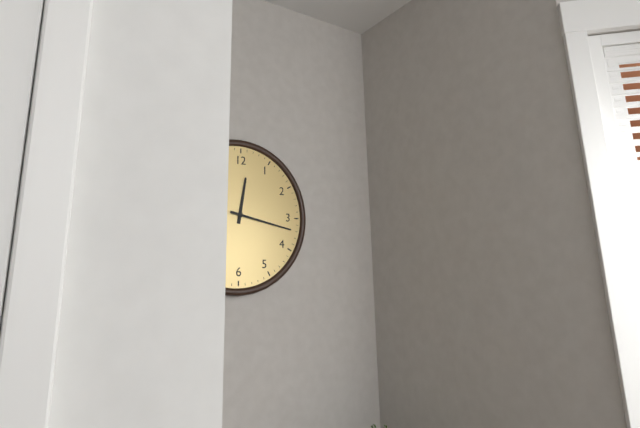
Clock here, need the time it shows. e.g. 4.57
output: 12.17
